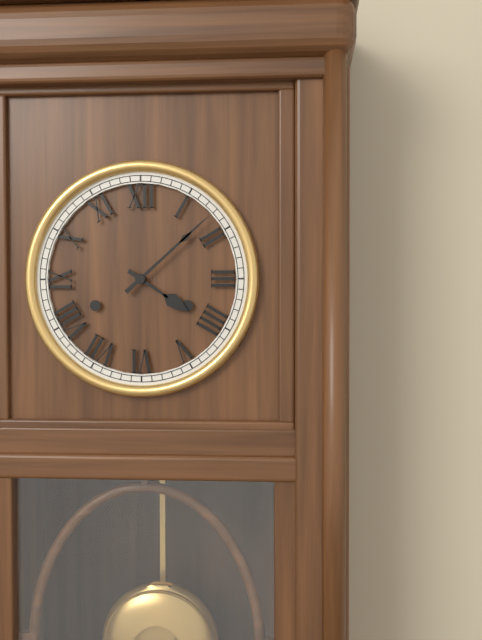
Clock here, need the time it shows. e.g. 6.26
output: 4.08
